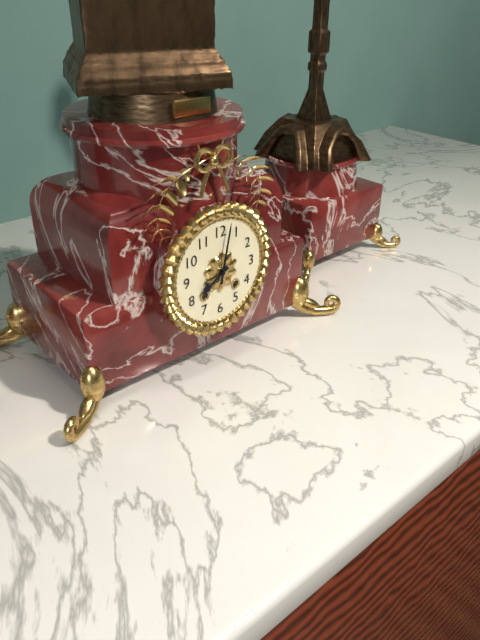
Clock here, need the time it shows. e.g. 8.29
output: 8.02
